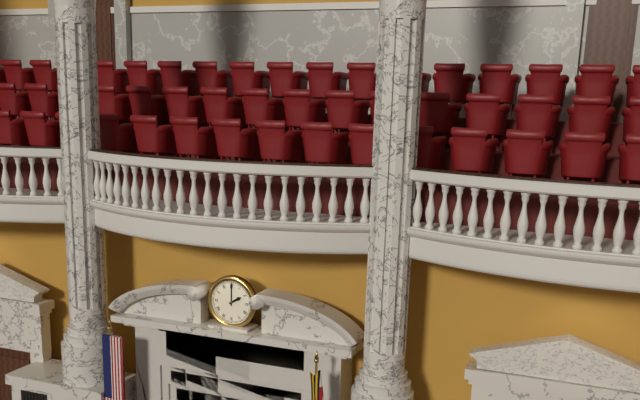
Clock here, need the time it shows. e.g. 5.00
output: 2.00
